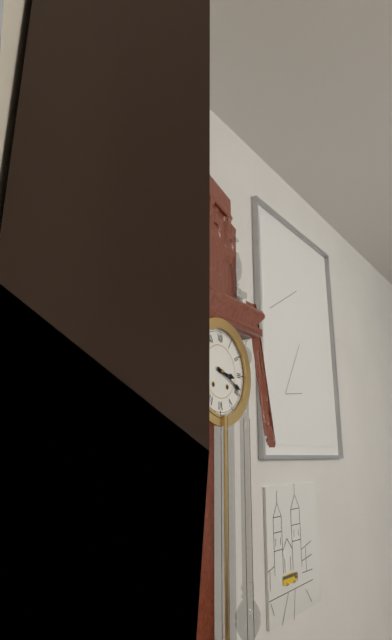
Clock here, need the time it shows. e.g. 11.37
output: 3.19
